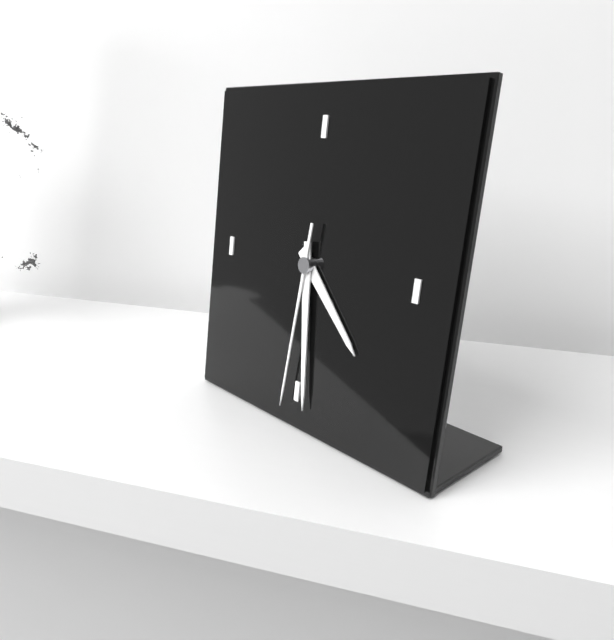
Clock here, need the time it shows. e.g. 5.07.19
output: 4.29.31
